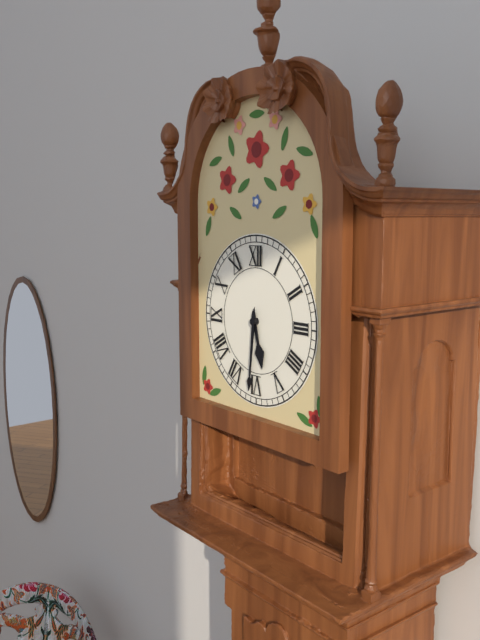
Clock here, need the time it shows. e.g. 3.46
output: 5.31
